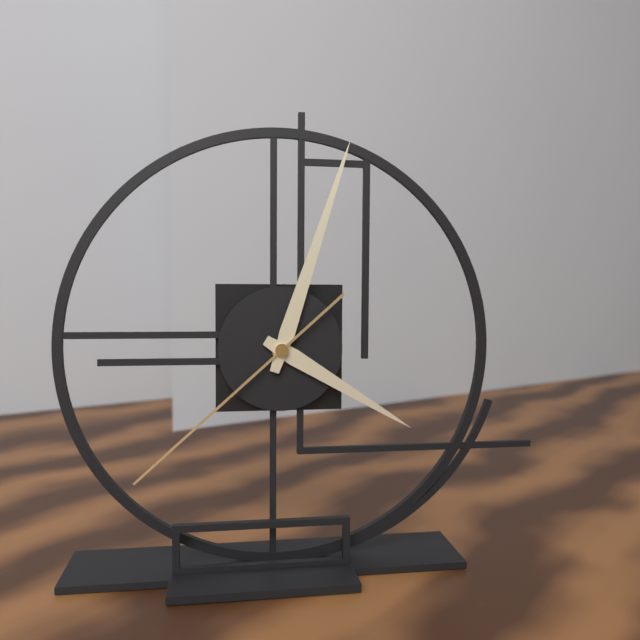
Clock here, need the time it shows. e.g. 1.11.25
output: 4.03.38
